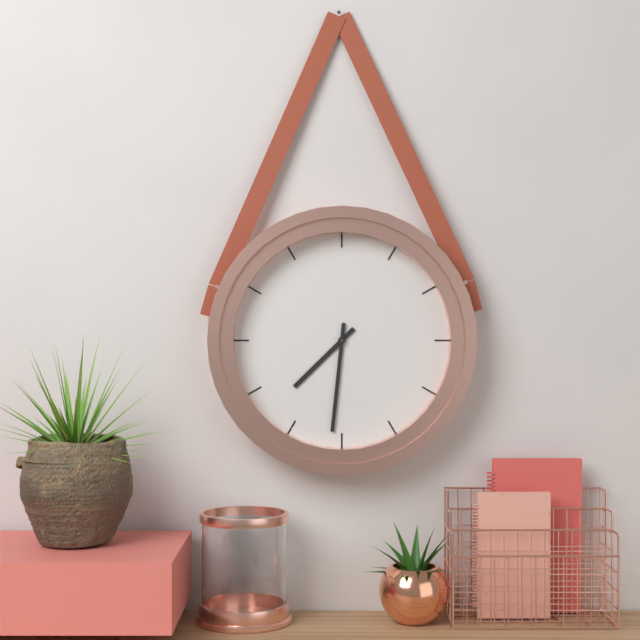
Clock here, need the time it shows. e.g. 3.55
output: 7.31
